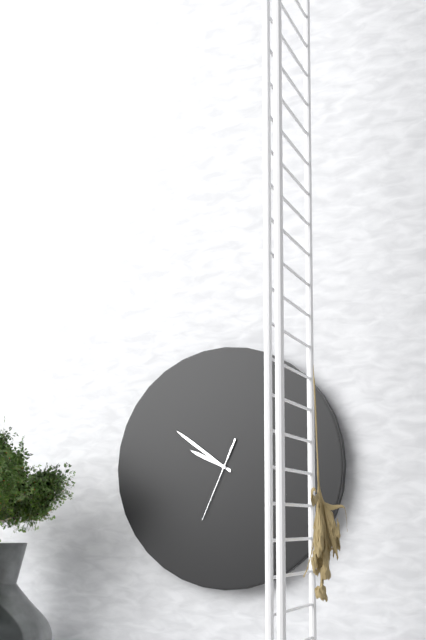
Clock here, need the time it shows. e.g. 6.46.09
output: 9.51.34
